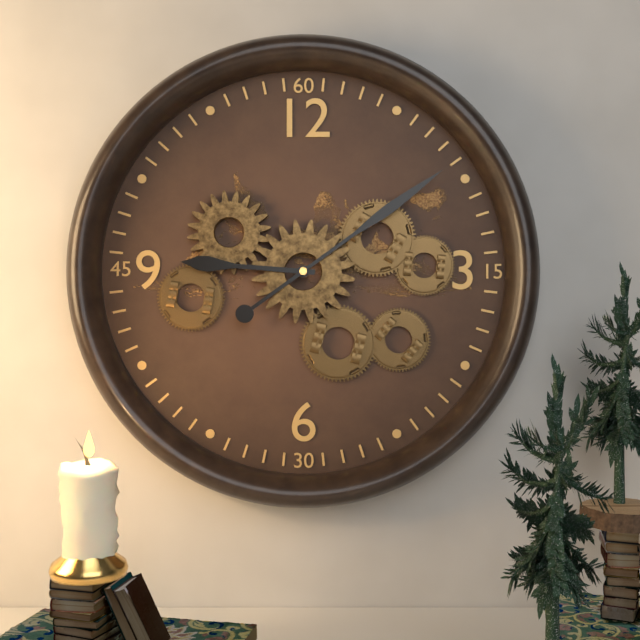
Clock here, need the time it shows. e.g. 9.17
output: 9.09
